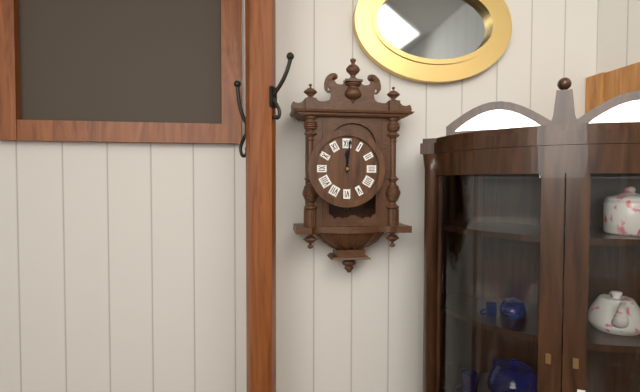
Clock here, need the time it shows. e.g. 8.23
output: 12.01
